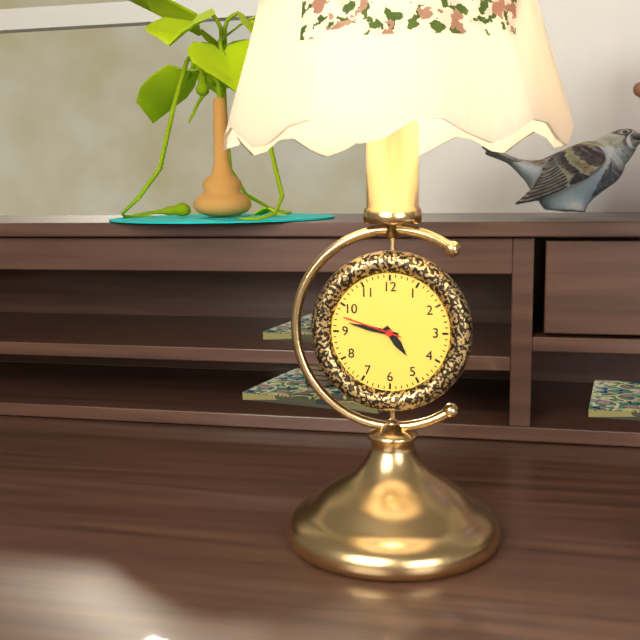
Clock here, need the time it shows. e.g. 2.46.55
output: 4.47.48
